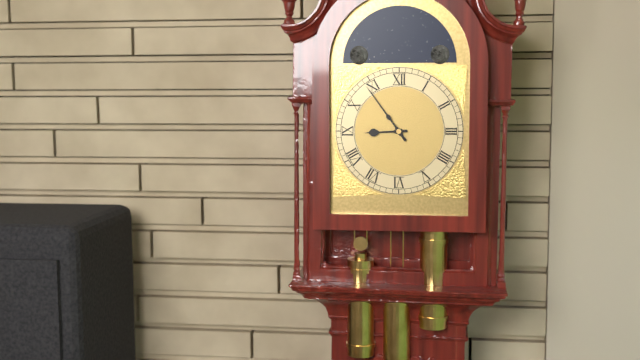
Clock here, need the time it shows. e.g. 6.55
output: 8.54
